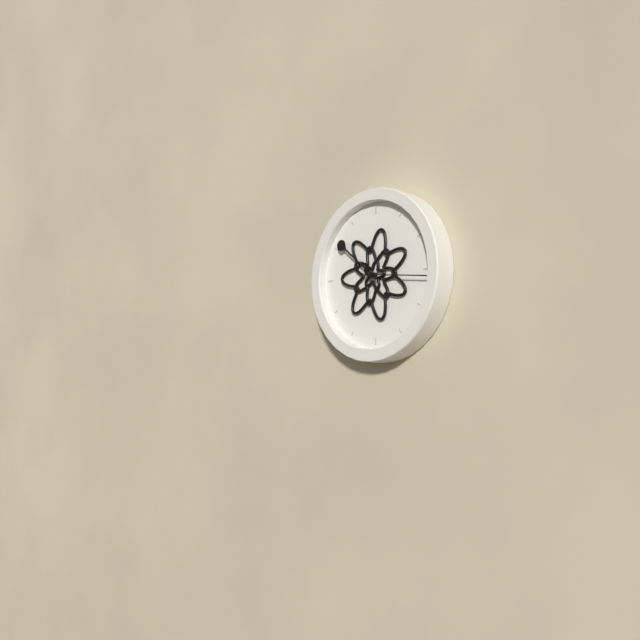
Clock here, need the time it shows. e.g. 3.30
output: 10.16
